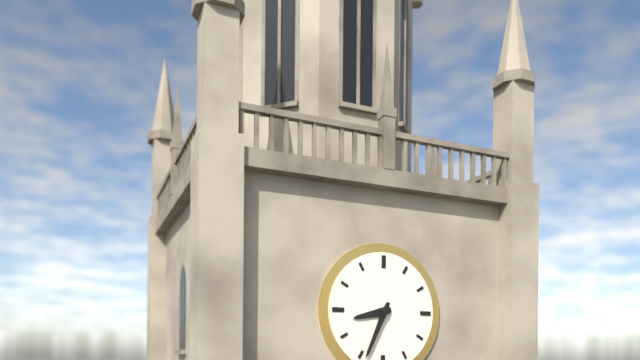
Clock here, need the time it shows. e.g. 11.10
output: 8.34
